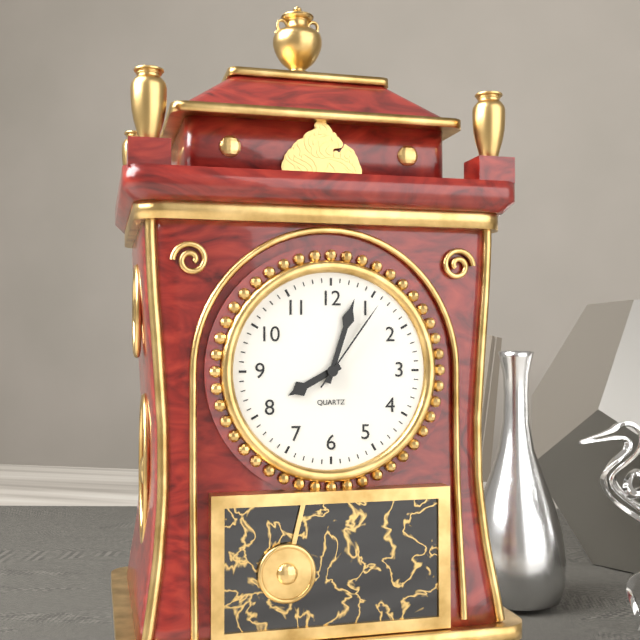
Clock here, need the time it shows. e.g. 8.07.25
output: 8.03.06
